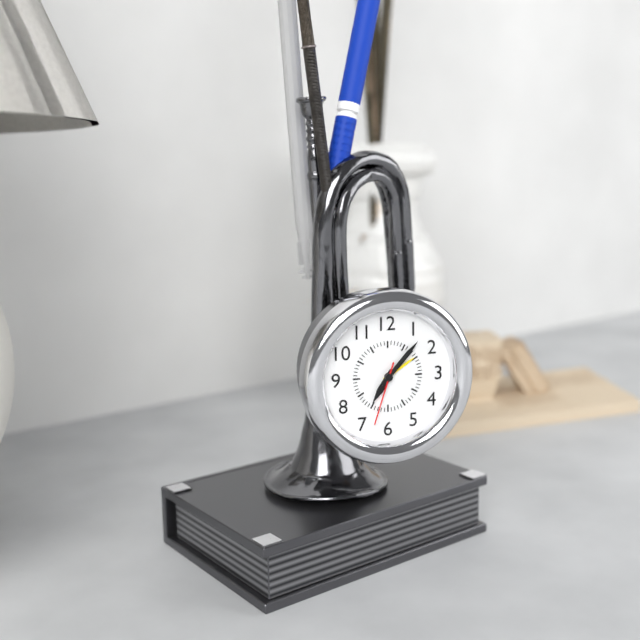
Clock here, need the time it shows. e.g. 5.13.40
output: 7.07.33
